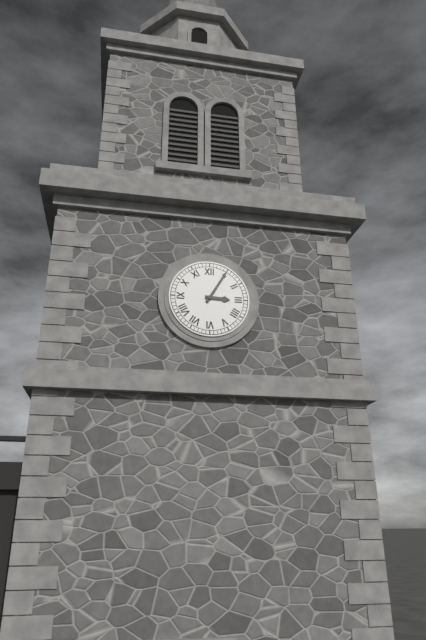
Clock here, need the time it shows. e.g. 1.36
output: 3.05
